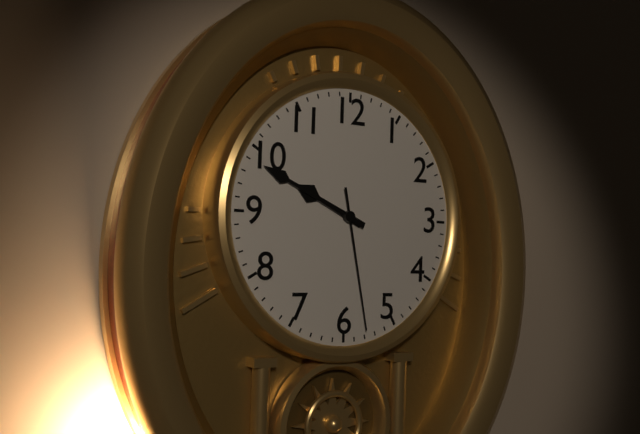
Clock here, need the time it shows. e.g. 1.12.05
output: 9.49.28
